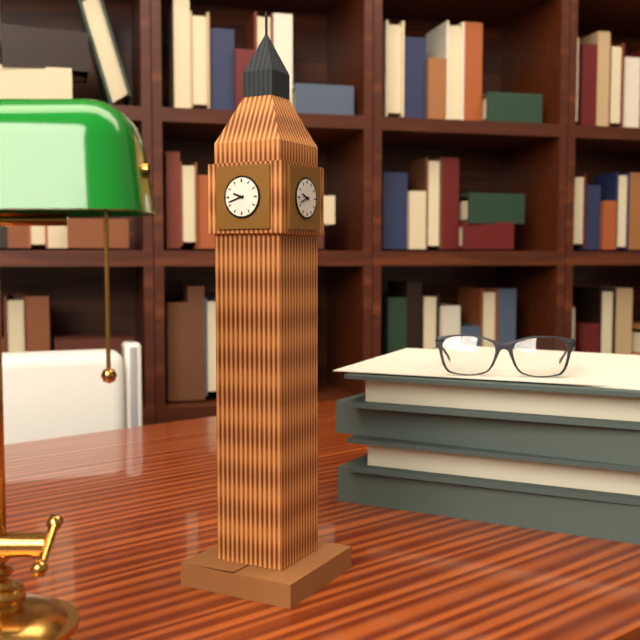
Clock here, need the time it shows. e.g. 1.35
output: 9.42
